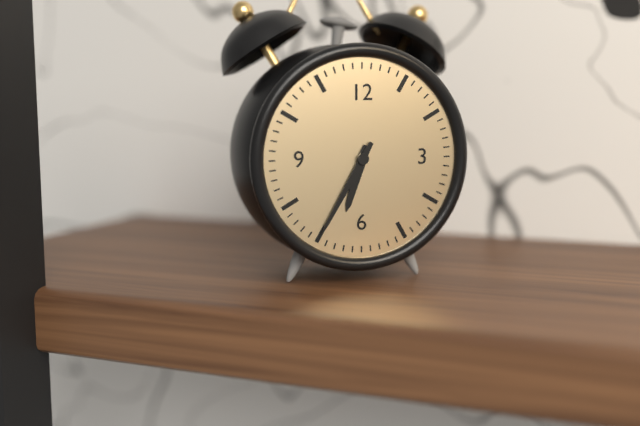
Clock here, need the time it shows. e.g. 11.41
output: 6.35
